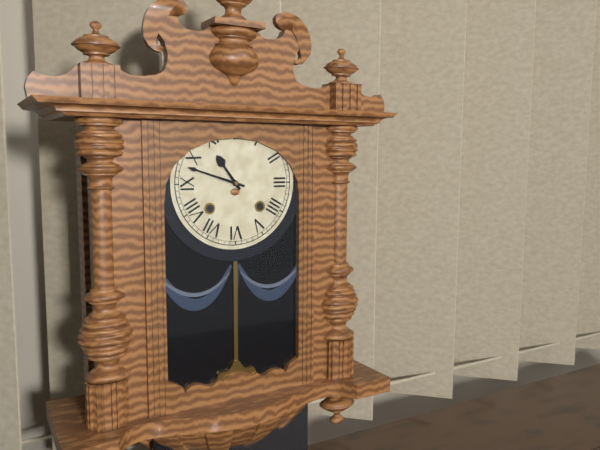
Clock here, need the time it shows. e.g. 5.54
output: 10.48
